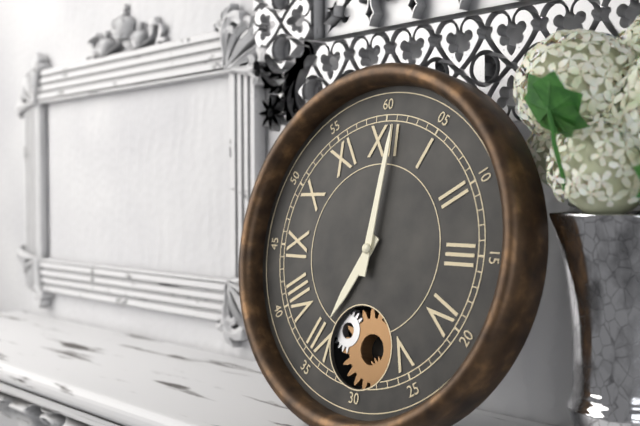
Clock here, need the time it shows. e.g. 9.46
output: 7.01
